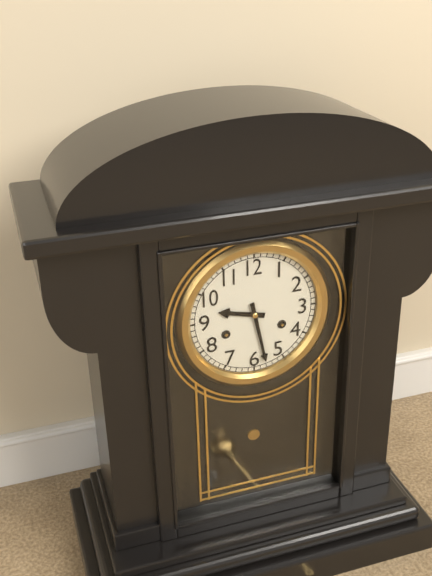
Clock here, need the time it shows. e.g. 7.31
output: 9.28
